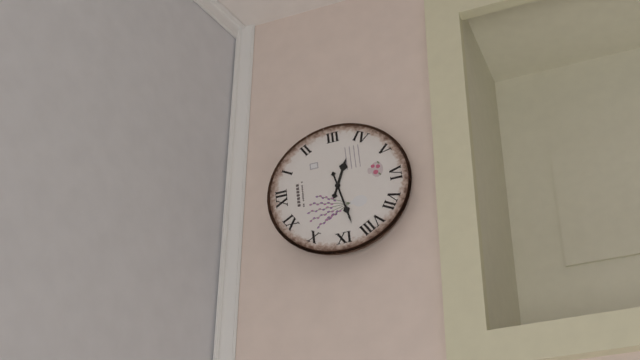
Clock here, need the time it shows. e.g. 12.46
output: 3.43
